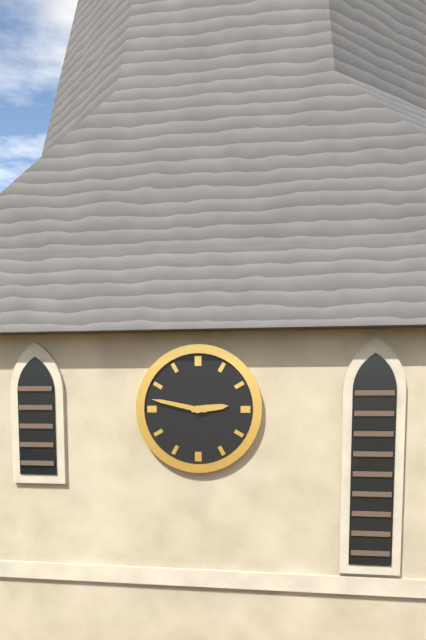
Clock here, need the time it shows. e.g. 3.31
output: 2.47
